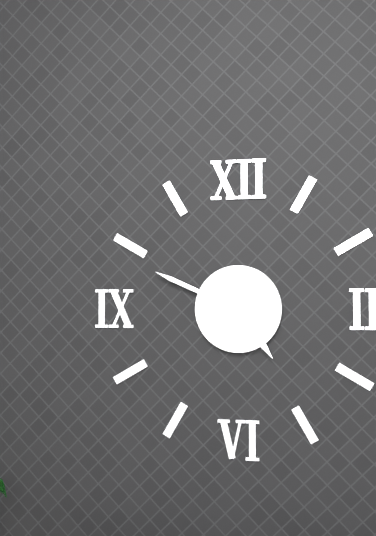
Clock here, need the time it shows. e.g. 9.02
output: 4.49
